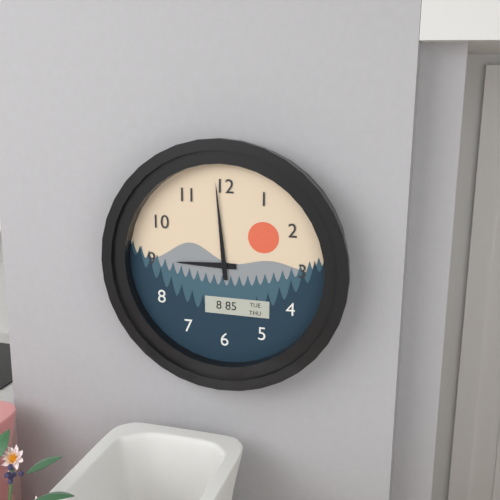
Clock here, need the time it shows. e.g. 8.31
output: 8.59
